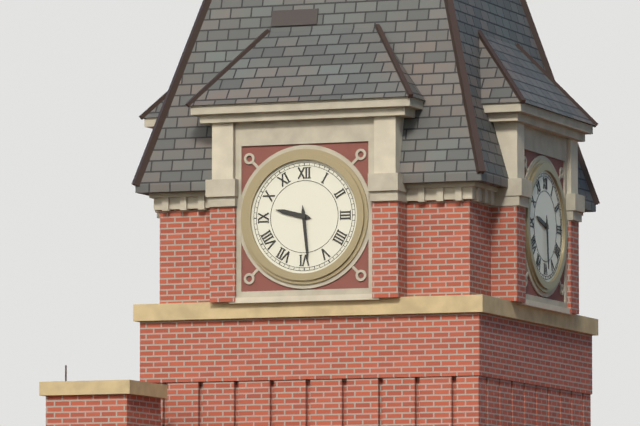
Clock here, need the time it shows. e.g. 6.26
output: 9.29
